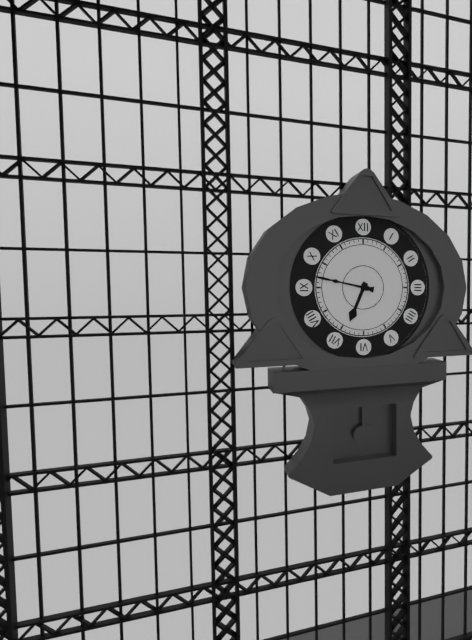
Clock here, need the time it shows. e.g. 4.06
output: 6.47
